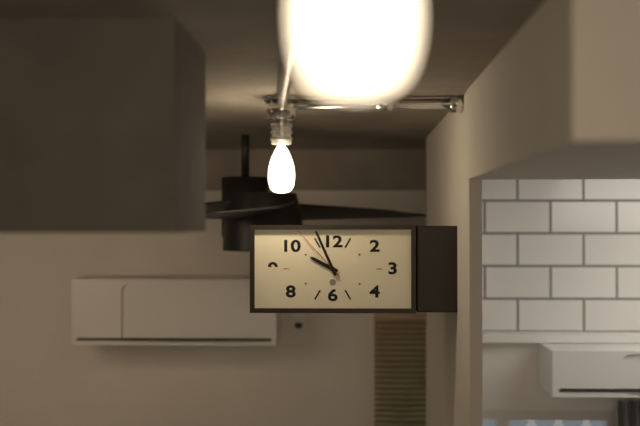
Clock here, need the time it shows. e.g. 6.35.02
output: 9.56.53
